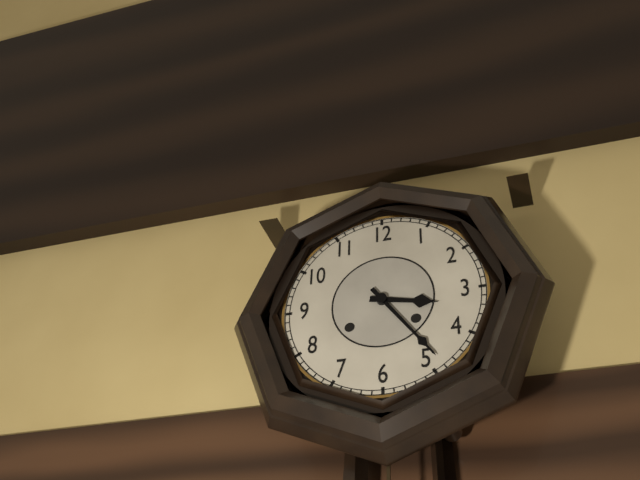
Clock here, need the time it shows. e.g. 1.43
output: 3.24
